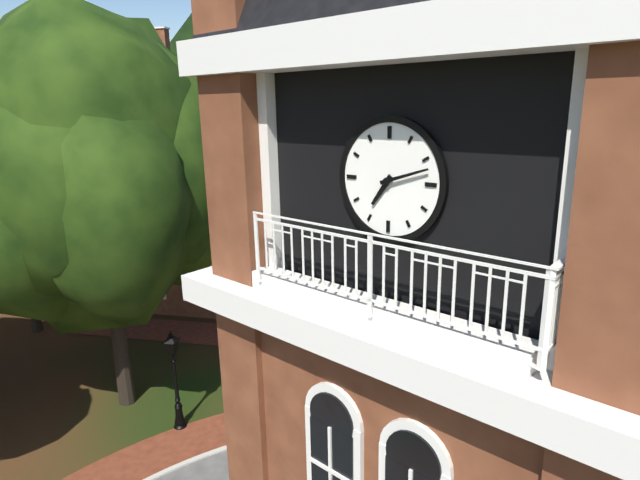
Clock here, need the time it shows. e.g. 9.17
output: 7.12
